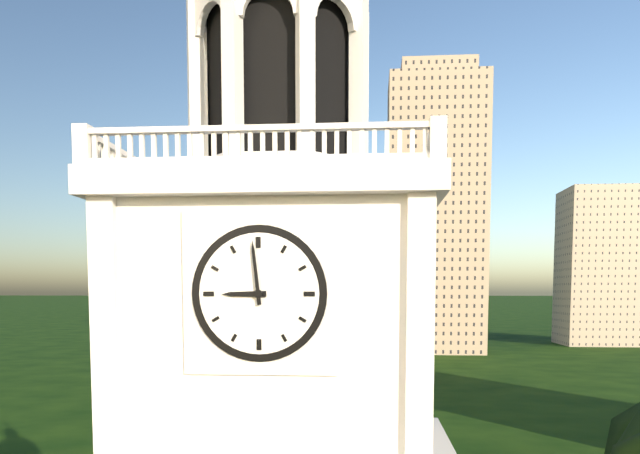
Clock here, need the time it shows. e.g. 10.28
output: 8.59
